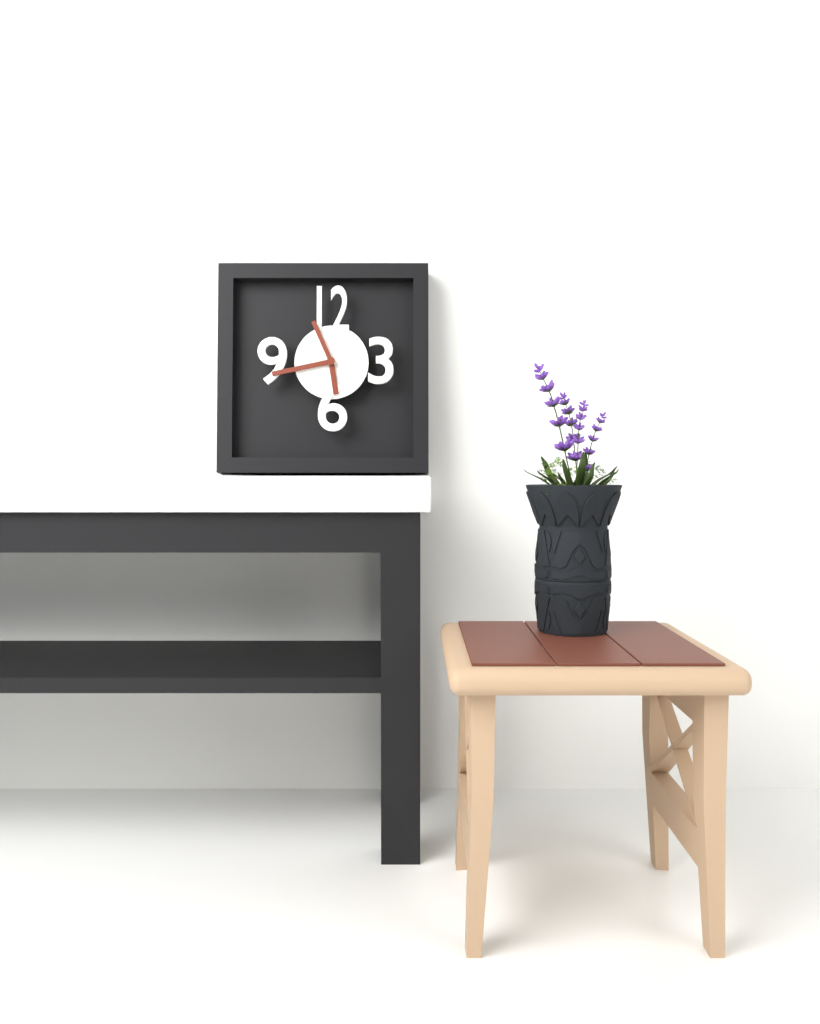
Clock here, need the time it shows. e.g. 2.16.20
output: 5.43.56
